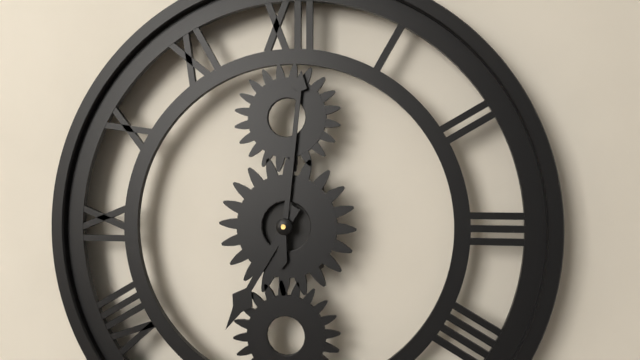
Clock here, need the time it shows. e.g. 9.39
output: 7.01
